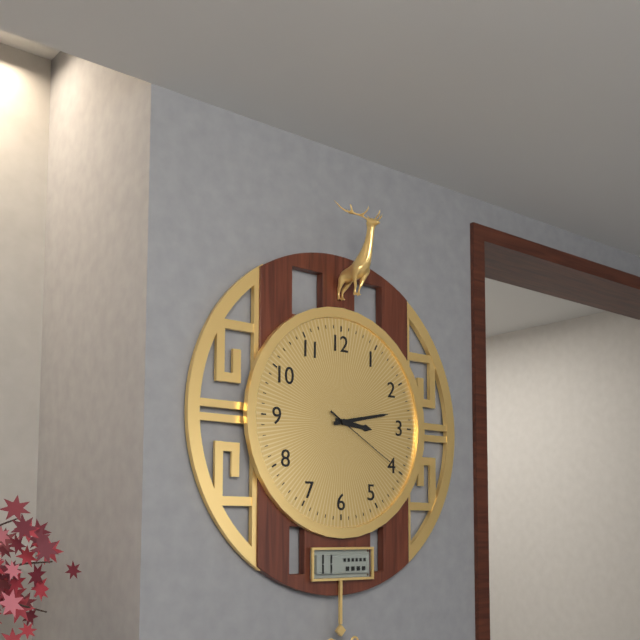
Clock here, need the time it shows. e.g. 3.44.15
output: 3.13.20
